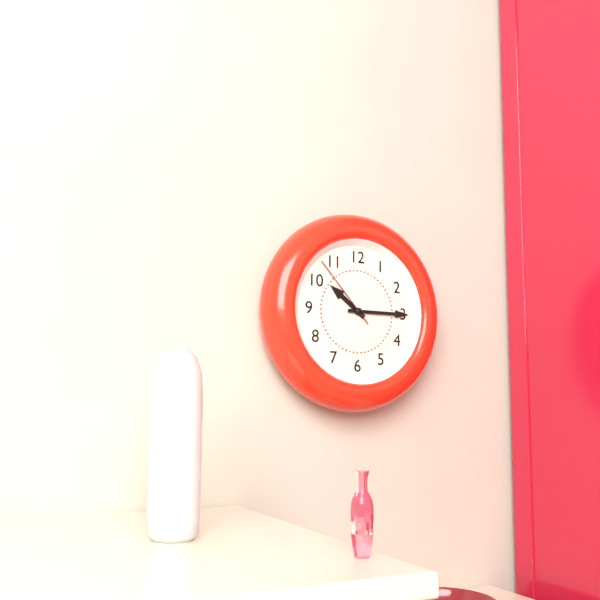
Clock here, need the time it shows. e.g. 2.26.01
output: 10.15.53
